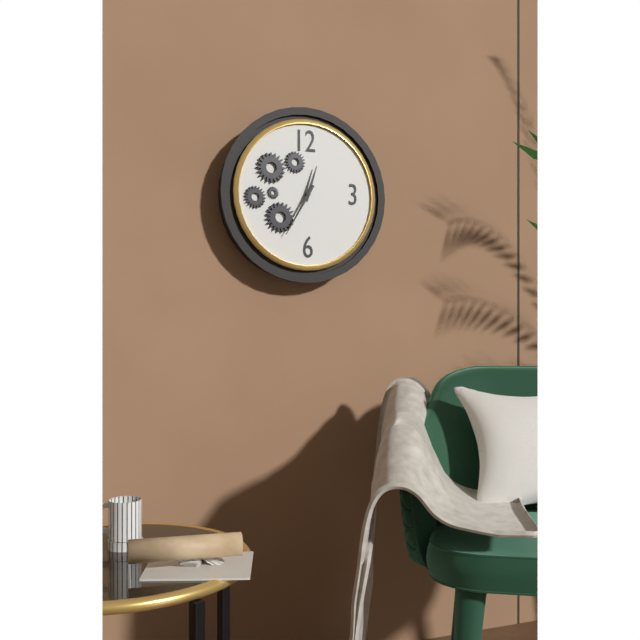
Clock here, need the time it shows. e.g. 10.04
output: 12.35
